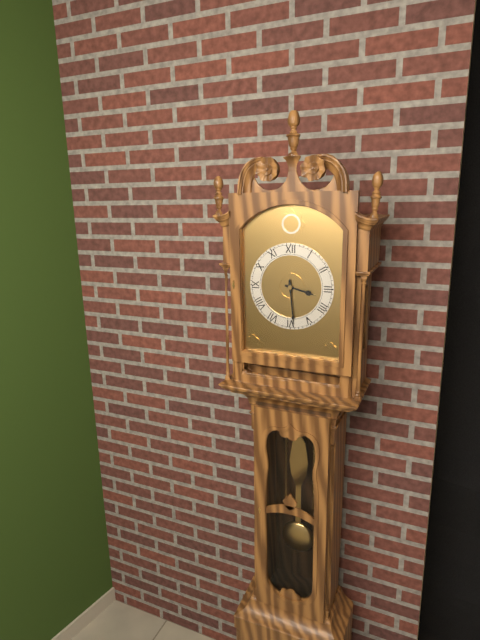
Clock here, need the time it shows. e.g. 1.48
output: 3.29
